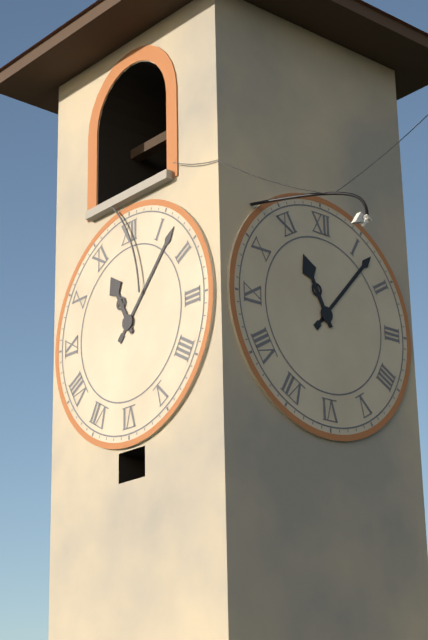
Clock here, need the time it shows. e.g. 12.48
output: 11.07
